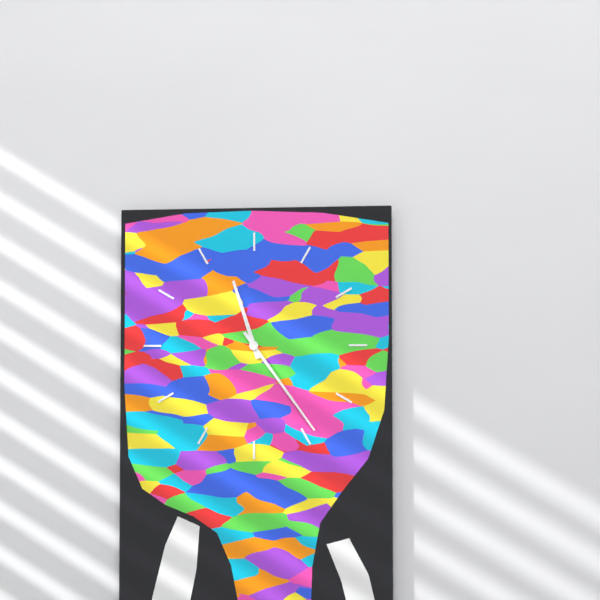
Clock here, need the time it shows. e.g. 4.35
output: 11.24
